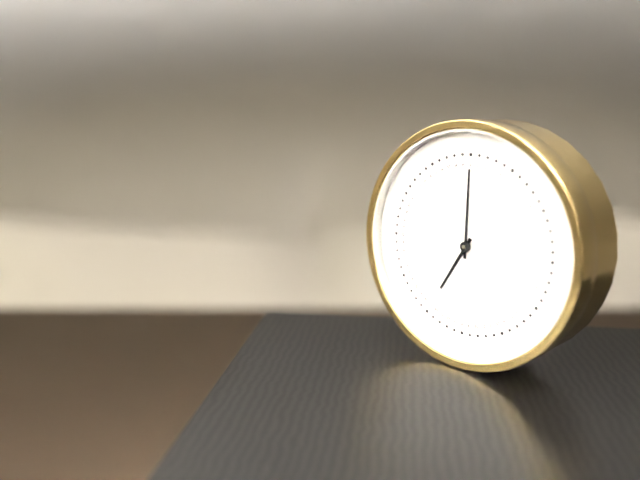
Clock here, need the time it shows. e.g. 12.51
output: 7.00
